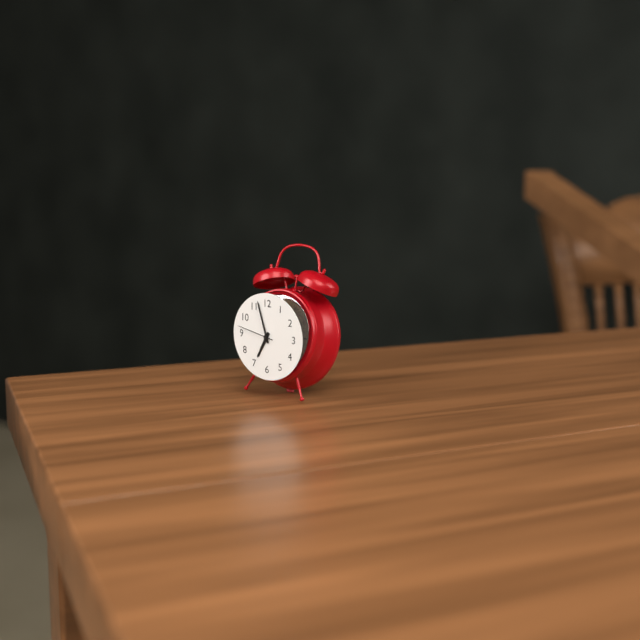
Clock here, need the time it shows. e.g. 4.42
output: 6.57
